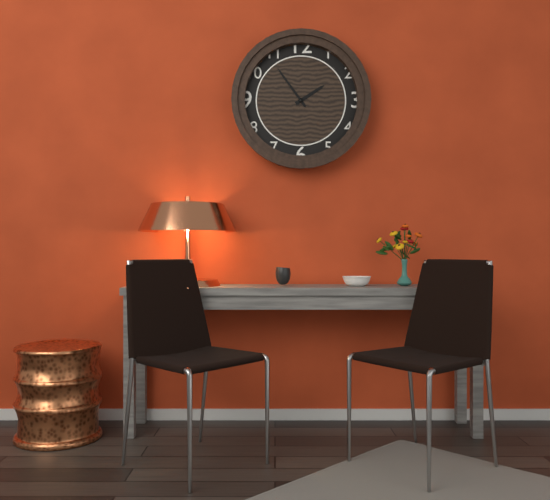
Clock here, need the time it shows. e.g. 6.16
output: 1.54
